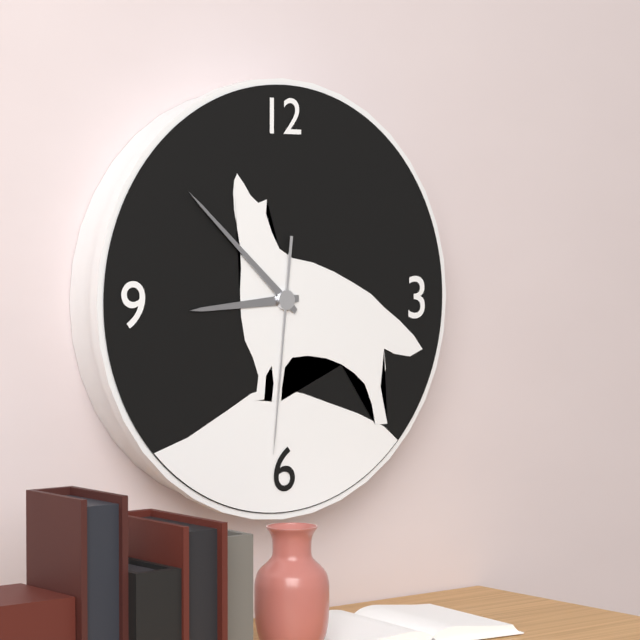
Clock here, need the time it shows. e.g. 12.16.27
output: 8.52.31
